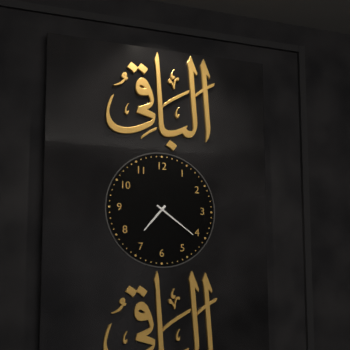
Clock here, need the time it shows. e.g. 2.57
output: 7.21
